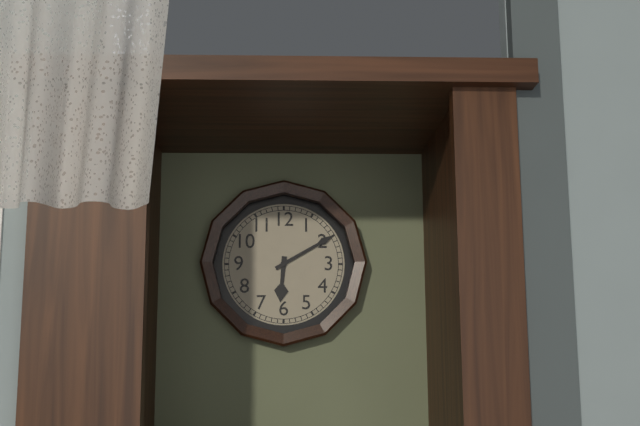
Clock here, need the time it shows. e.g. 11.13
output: 6.10
